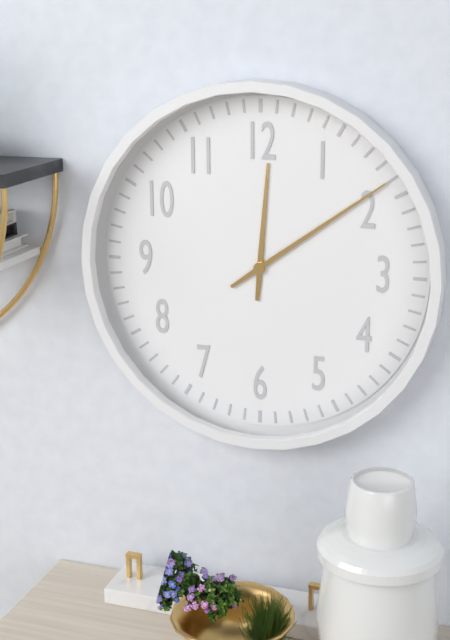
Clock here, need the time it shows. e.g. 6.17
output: 12.09
